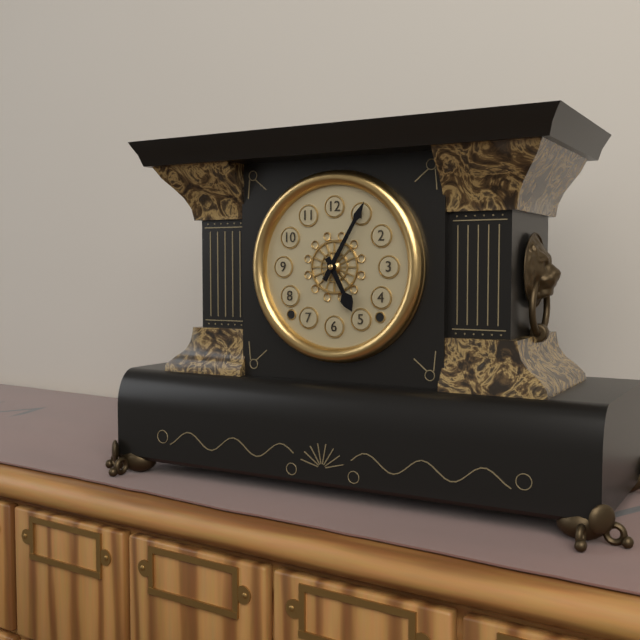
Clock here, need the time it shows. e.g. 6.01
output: 5.05
